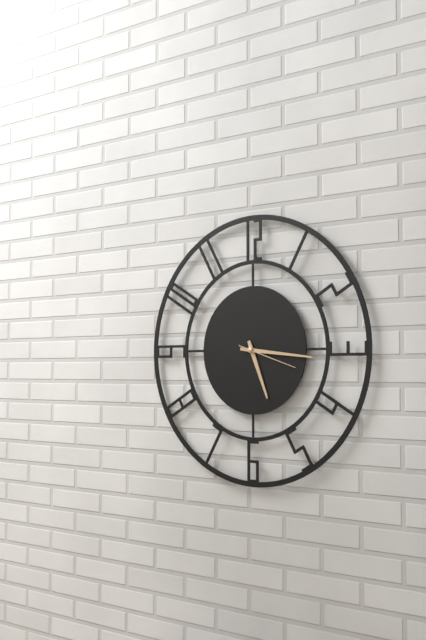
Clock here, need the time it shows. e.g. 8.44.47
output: 5.16.18
